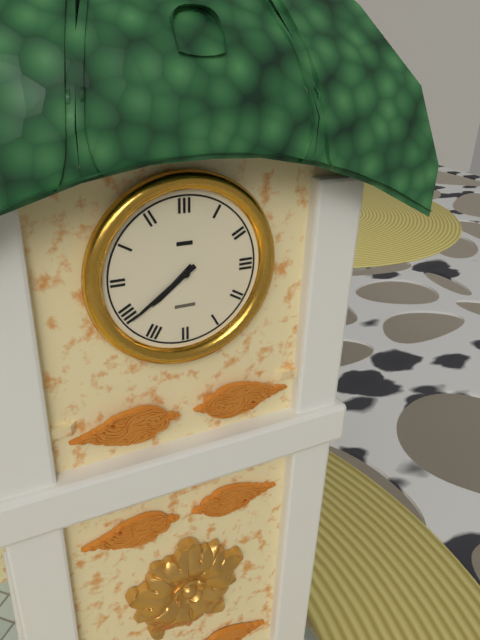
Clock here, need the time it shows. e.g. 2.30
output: 7.39
